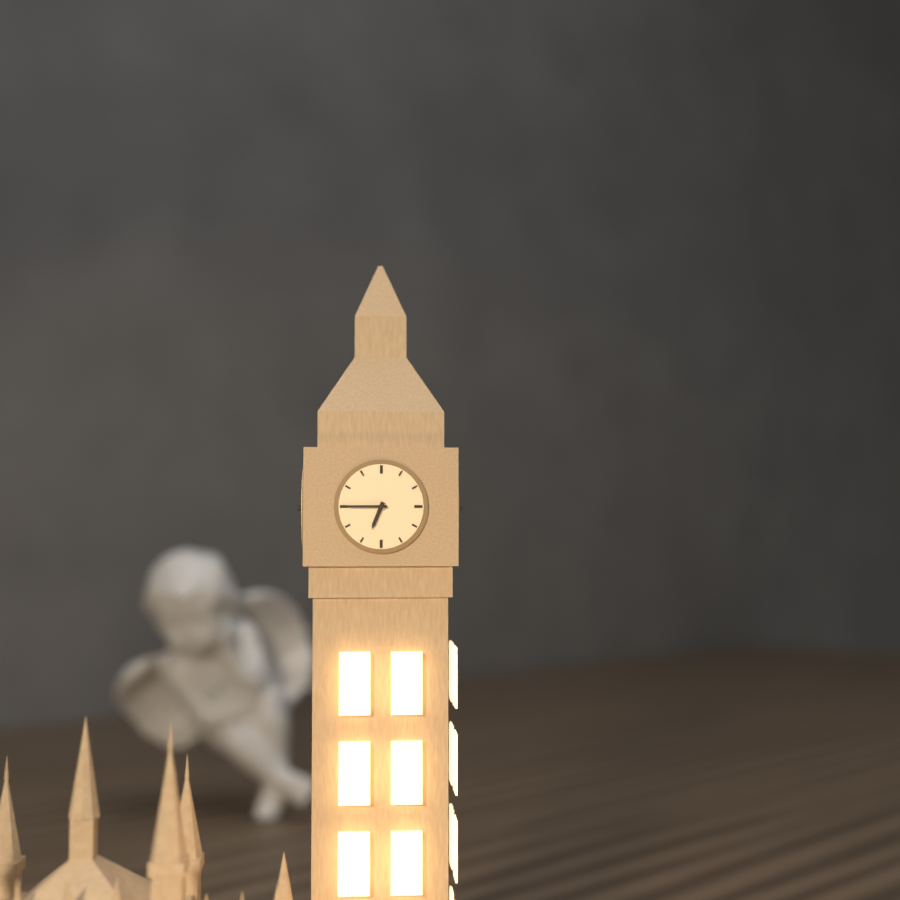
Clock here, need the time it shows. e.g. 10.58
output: 6.45
